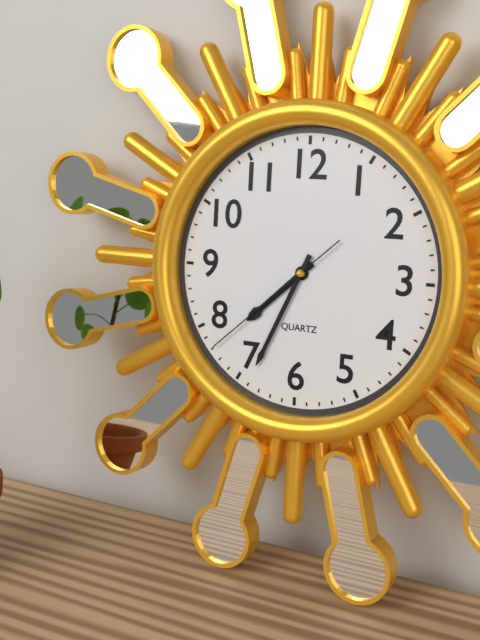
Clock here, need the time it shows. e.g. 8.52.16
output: 7.34.38
